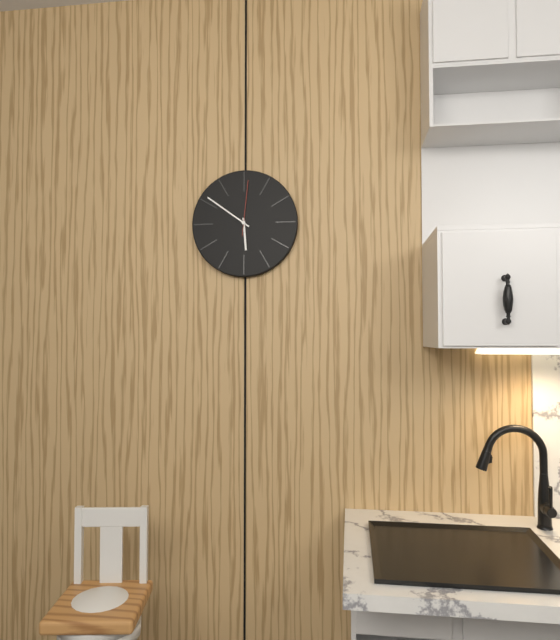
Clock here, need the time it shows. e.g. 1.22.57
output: 5.51.01
